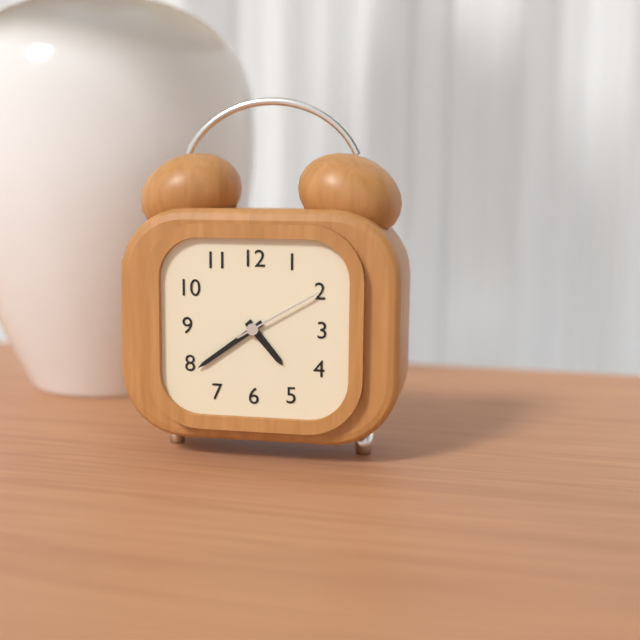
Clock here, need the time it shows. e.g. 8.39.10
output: 4.39.10
